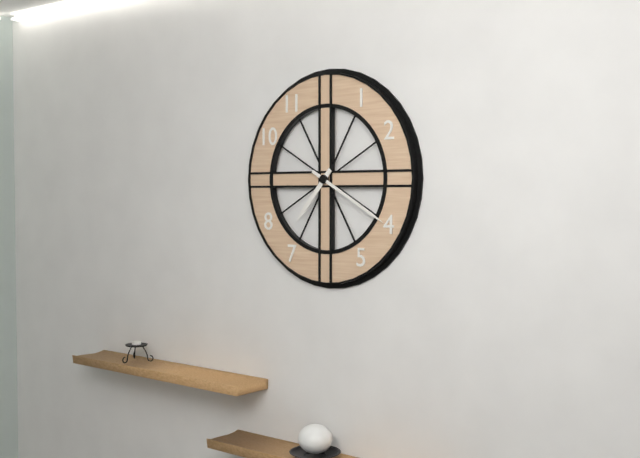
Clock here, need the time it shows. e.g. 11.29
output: 7.20
